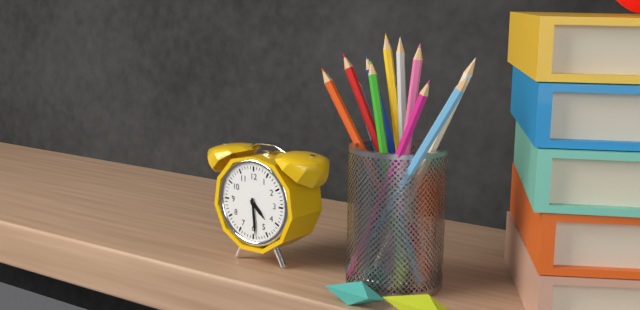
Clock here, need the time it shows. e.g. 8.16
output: 4.29
